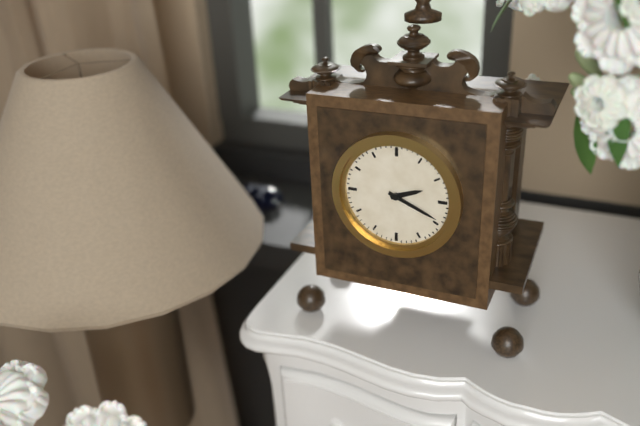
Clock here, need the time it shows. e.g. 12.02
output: 2.19
